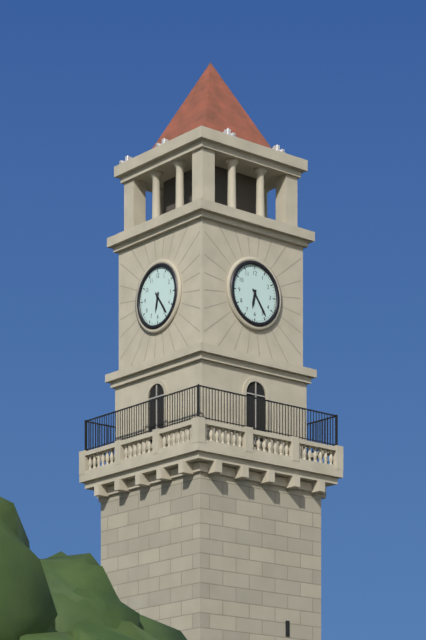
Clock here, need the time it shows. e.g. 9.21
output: 6.24
